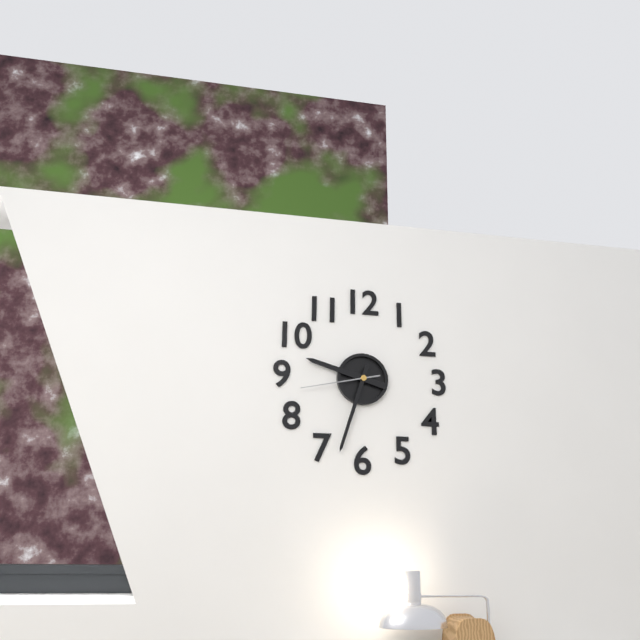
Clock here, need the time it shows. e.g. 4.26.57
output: 9.33.43
